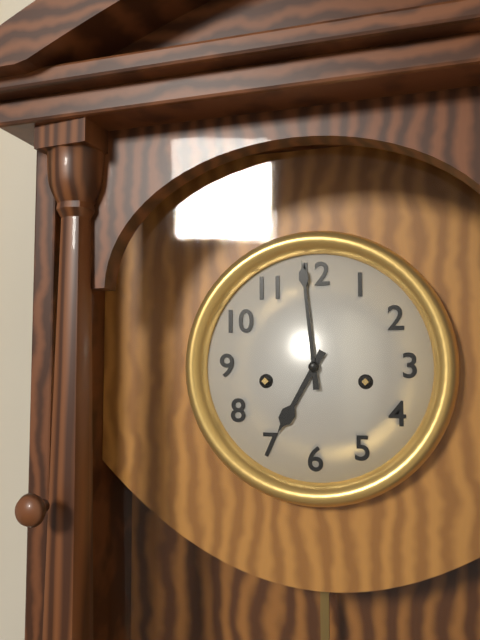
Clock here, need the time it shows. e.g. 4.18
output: 6.59
